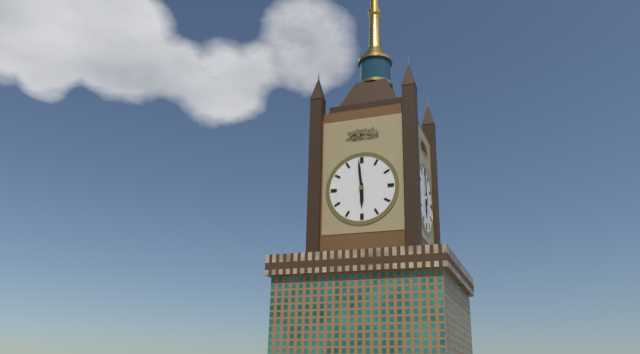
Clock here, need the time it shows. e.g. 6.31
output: 5.59
